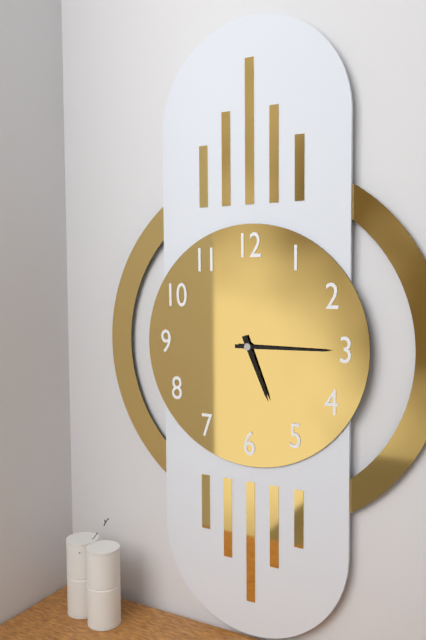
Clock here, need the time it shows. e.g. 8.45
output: 5.15
